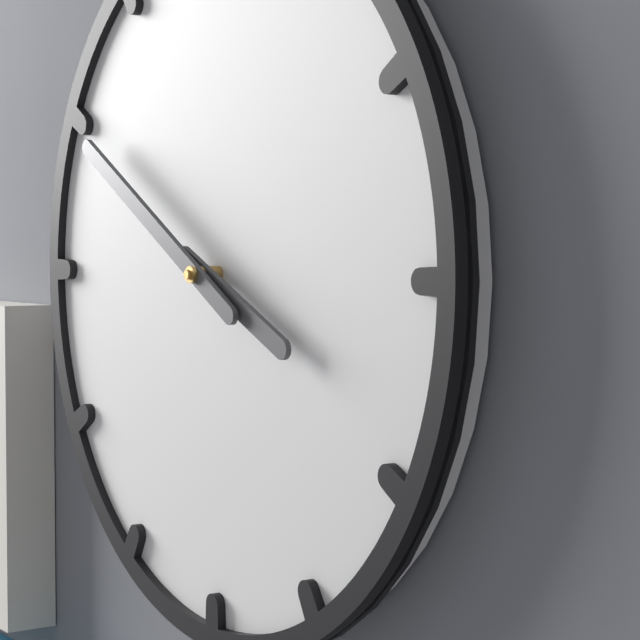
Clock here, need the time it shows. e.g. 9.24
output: 3.50
